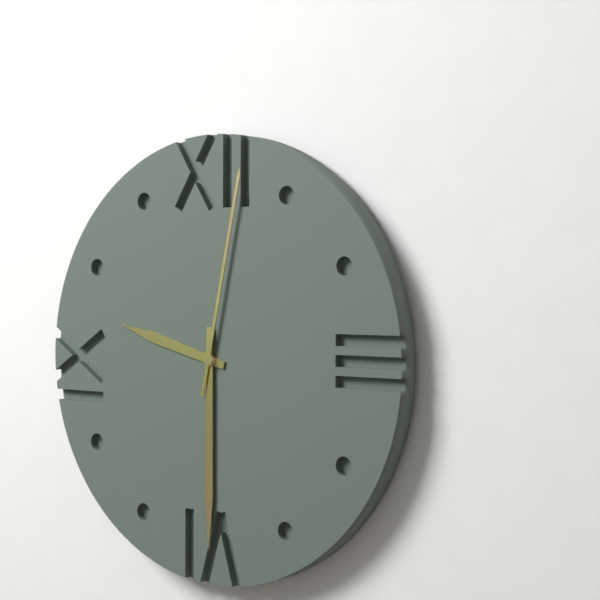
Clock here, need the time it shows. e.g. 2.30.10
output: 9.30.02
